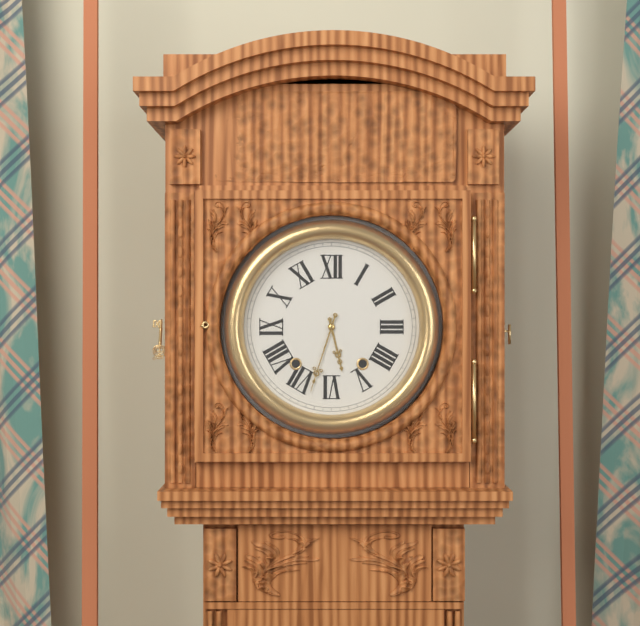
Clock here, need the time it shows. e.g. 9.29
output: 5.33
